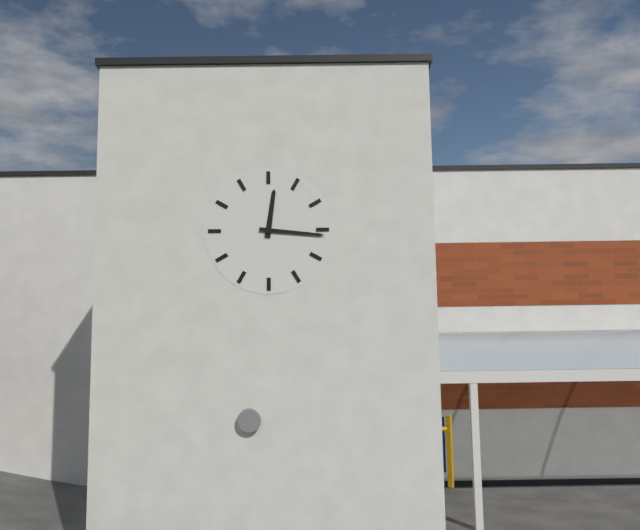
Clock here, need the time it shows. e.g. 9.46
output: 12.16
